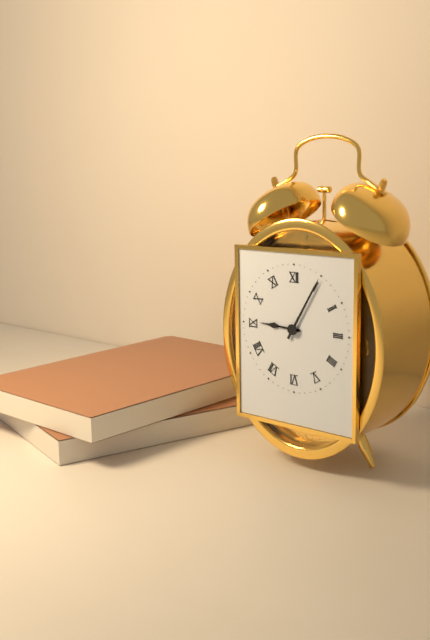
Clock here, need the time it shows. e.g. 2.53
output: 9.05
